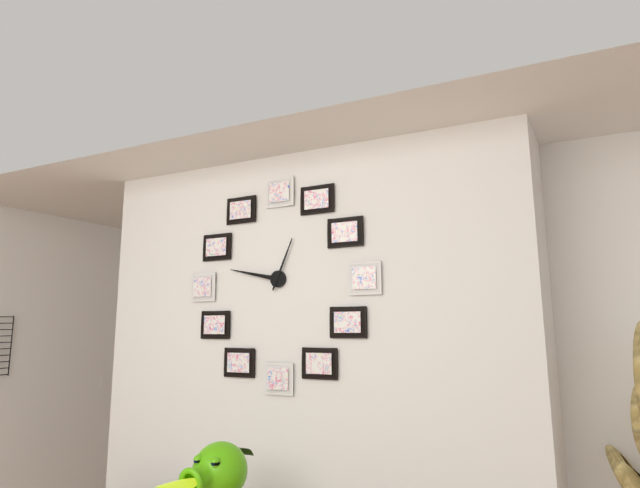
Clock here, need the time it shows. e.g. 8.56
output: 12.47
